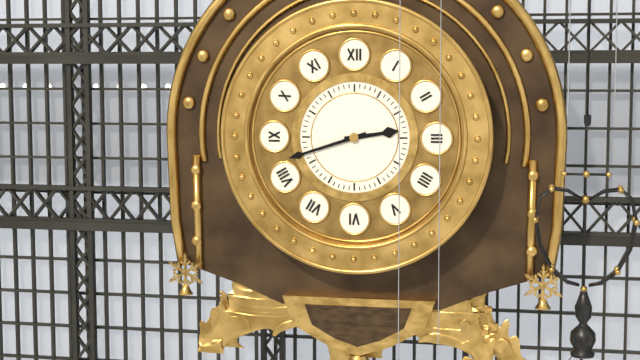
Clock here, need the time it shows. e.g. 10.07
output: 2.42
